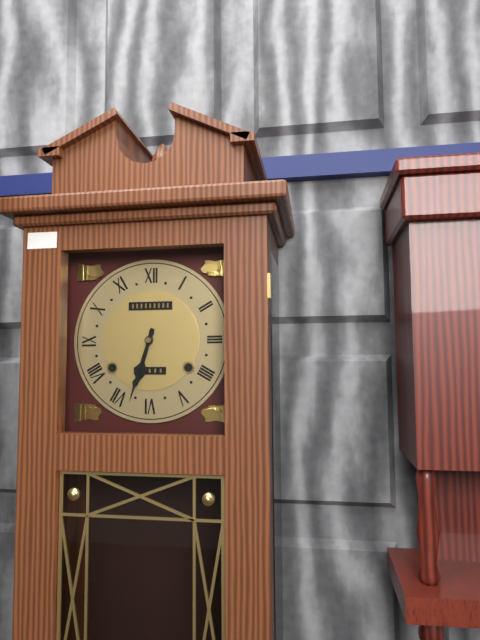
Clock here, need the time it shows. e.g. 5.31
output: 6.33
